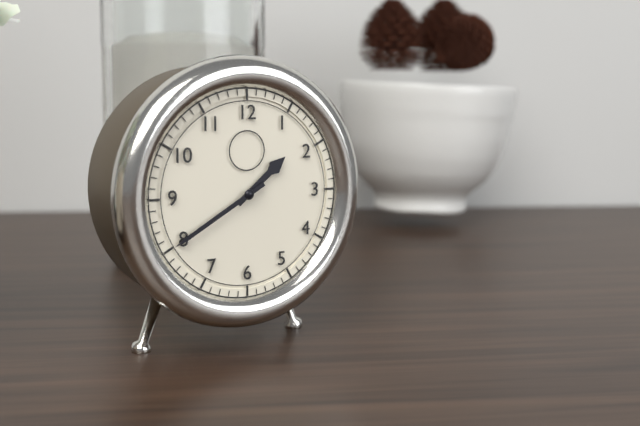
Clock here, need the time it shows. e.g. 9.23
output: 1.40
